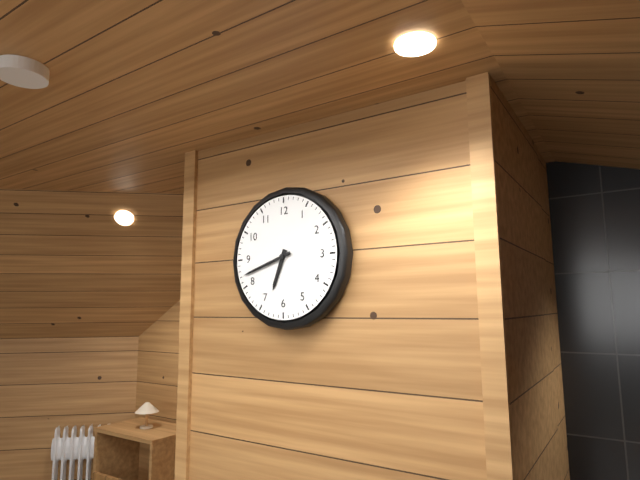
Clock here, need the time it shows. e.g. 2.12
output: 6.42
